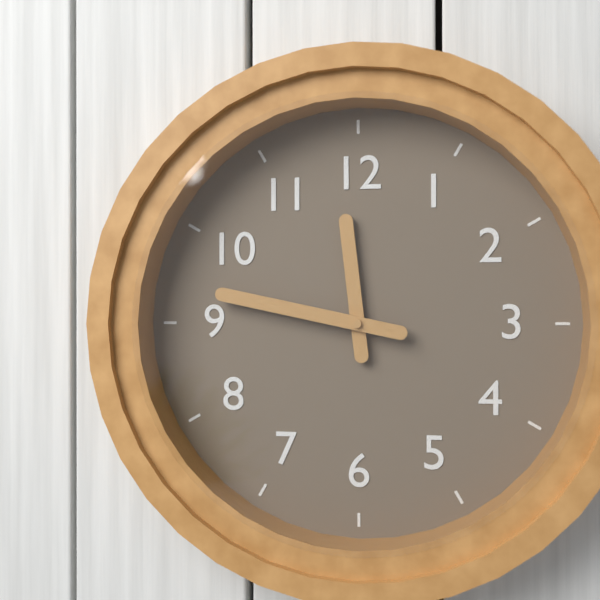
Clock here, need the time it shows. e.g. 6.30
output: 11.47
